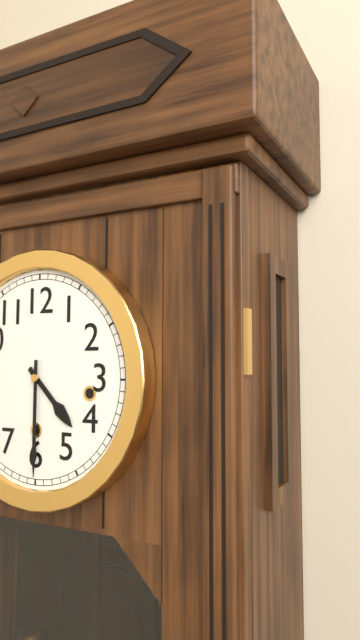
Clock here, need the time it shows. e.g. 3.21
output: 4.30
